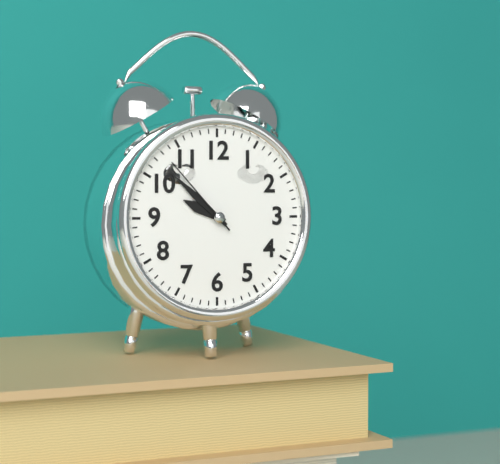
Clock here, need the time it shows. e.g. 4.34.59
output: 9.52.53
